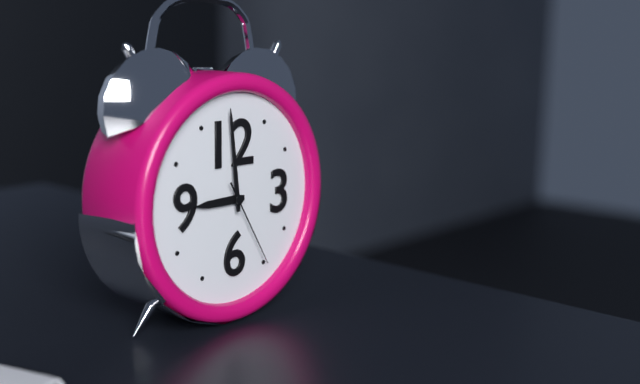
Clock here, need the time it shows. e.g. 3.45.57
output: 8.59.25
